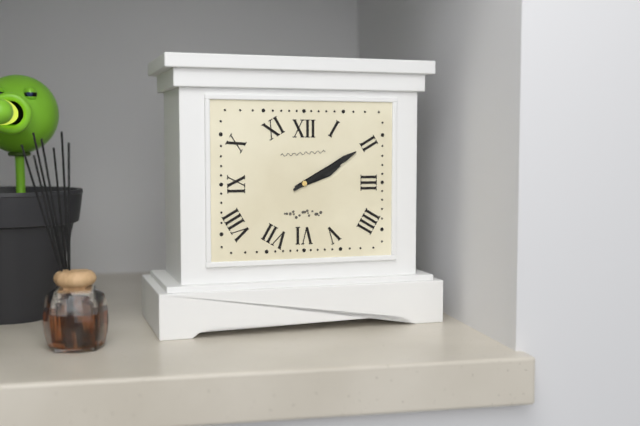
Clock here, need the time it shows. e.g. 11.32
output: 2.10
